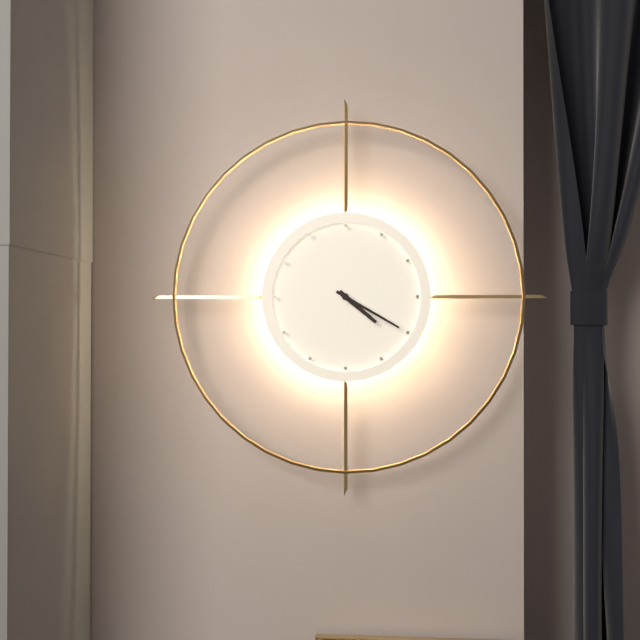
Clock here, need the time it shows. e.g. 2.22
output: 4.20
